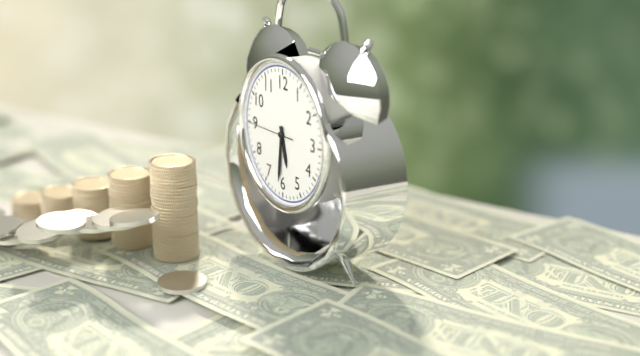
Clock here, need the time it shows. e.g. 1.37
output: 5.31
